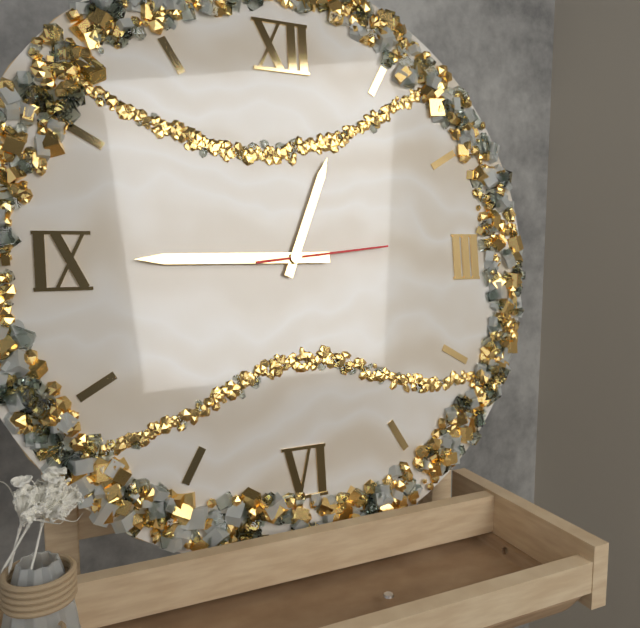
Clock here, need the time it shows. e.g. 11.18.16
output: 12.45.14
